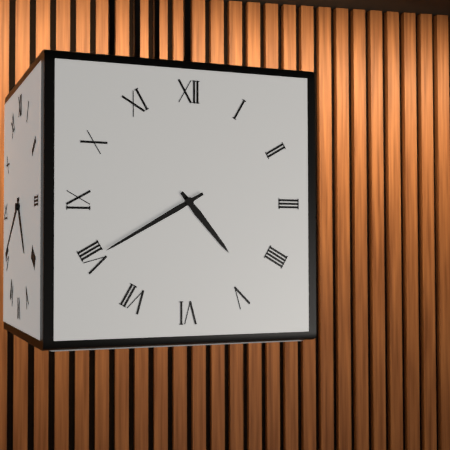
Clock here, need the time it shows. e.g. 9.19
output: 4.40
